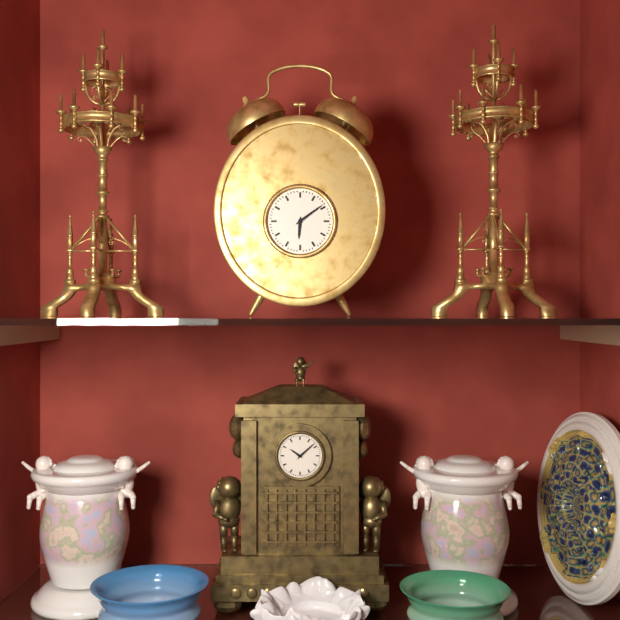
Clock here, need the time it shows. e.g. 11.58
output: 6.09
